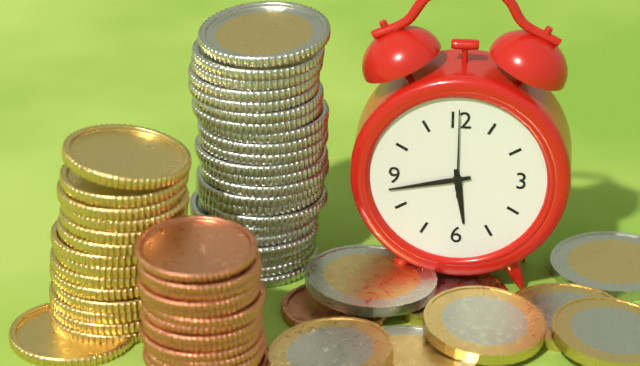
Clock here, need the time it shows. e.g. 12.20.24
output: 5.43.00
